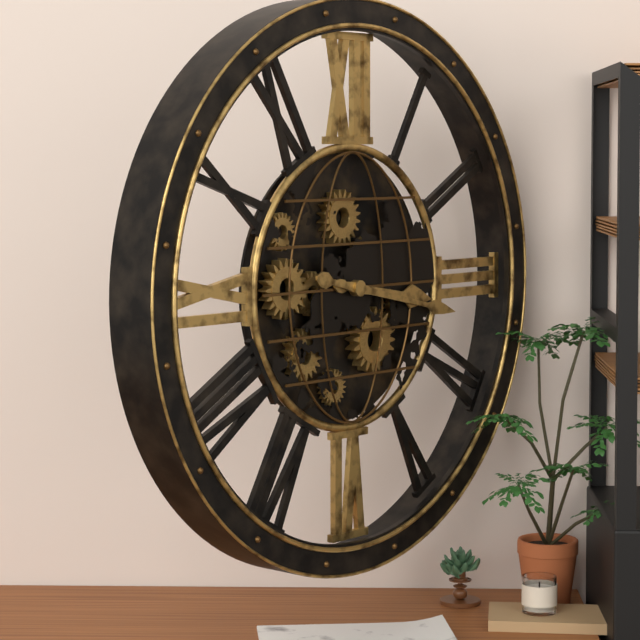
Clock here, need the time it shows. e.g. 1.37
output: 3.17
